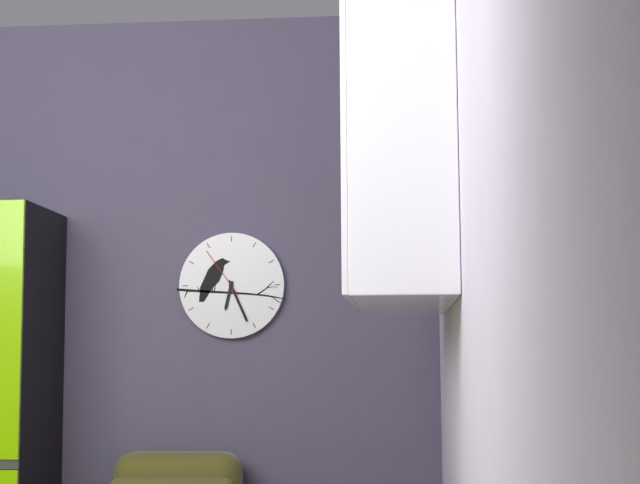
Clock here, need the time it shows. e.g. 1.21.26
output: 6.26.54
